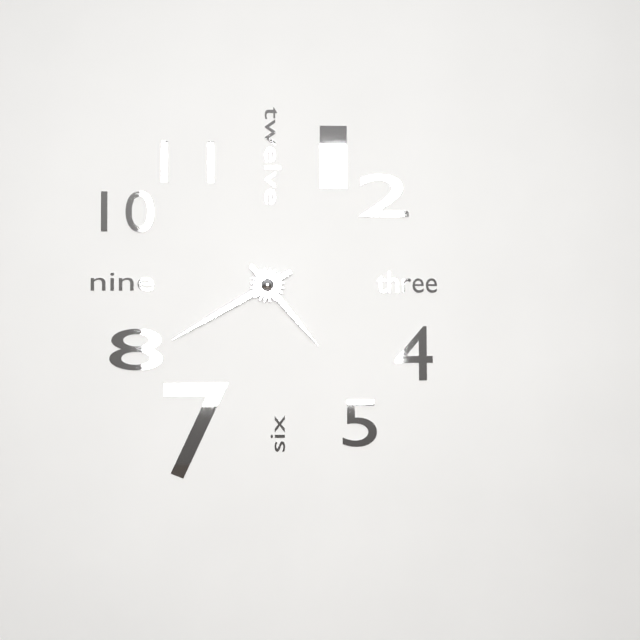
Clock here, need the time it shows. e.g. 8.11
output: 4.40
